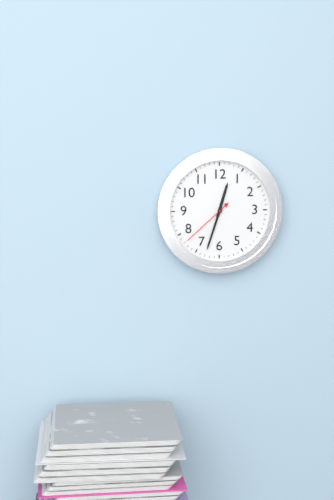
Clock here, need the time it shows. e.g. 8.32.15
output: 12.33.38
